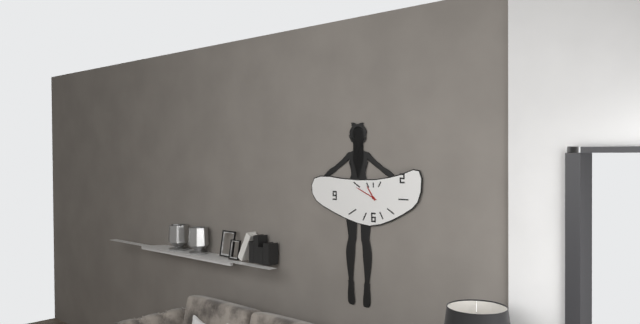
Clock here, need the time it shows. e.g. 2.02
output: 10.49
